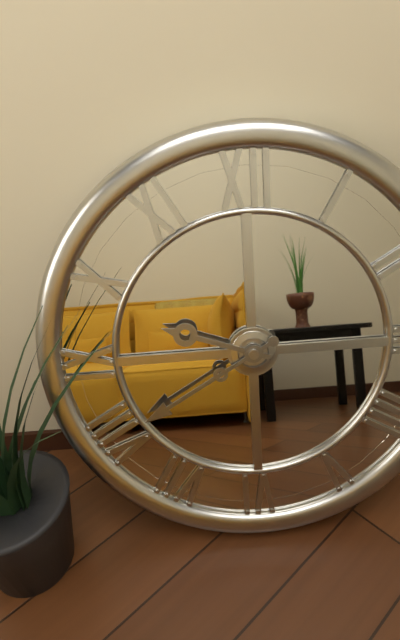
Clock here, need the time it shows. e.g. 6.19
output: 9.40
